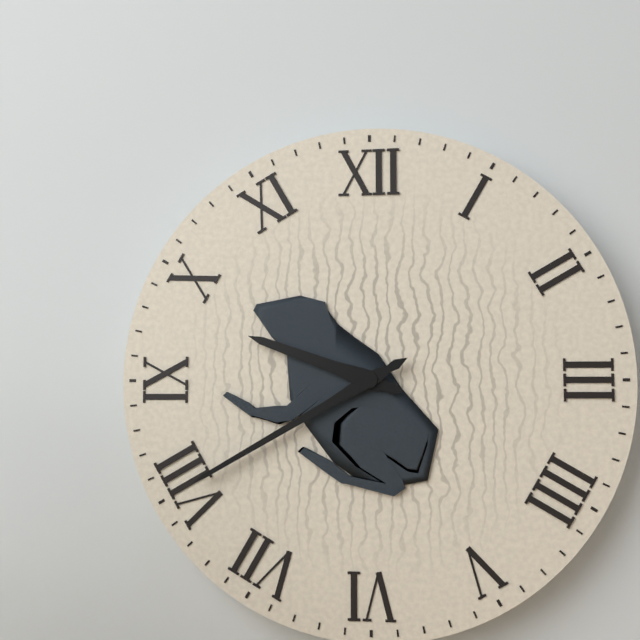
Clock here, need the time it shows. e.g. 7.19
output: 9.40
